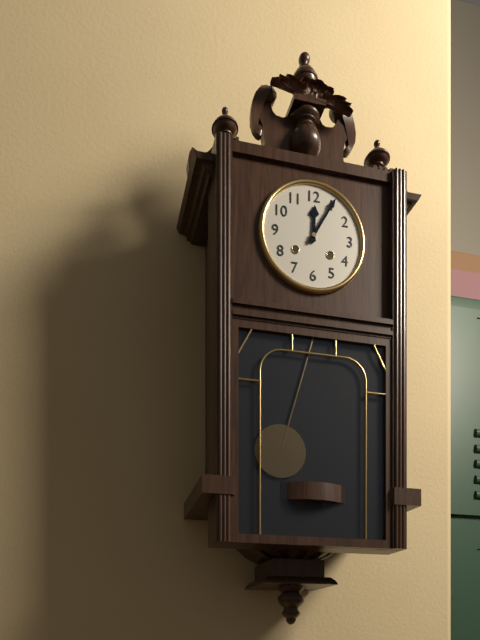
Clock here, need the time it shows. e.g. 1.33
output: 12.05
